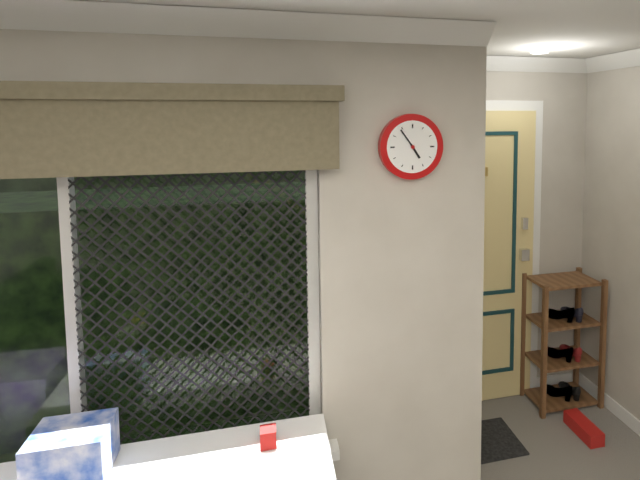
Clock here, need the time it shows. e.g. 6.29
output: 4.54
